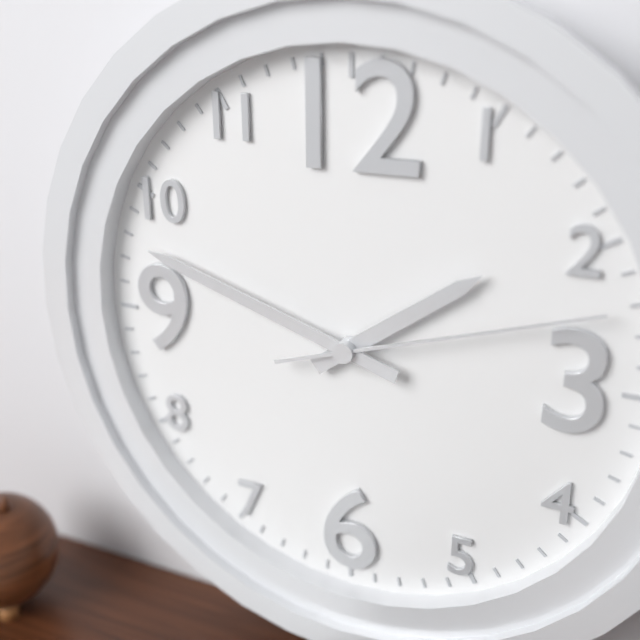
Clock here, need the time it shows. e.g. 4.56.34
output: 1.48.12
